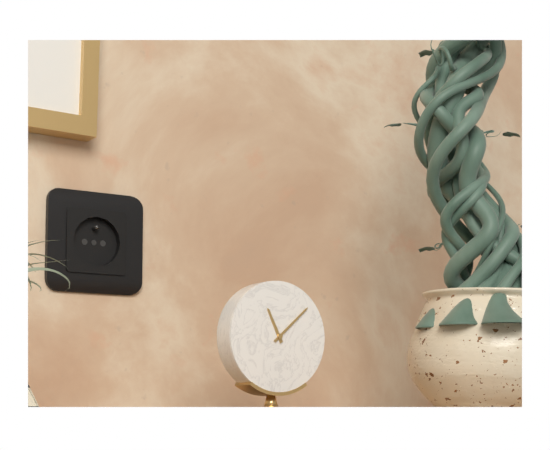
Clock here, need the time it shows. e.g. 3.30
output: 11.08
